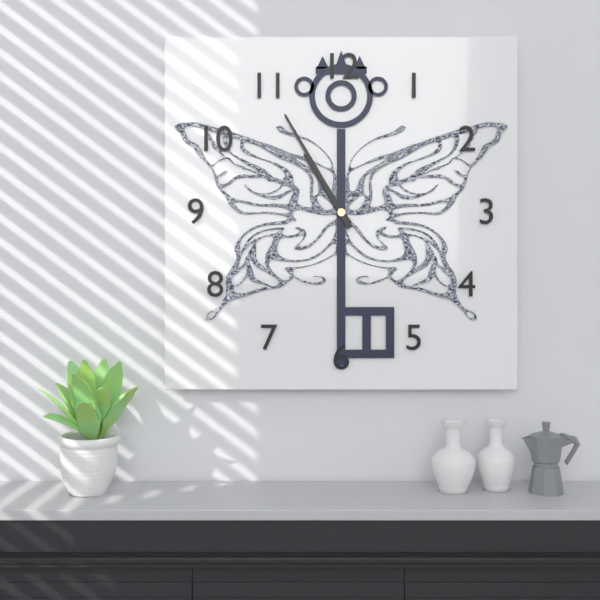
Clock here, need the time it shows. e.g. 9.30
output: 10.55
